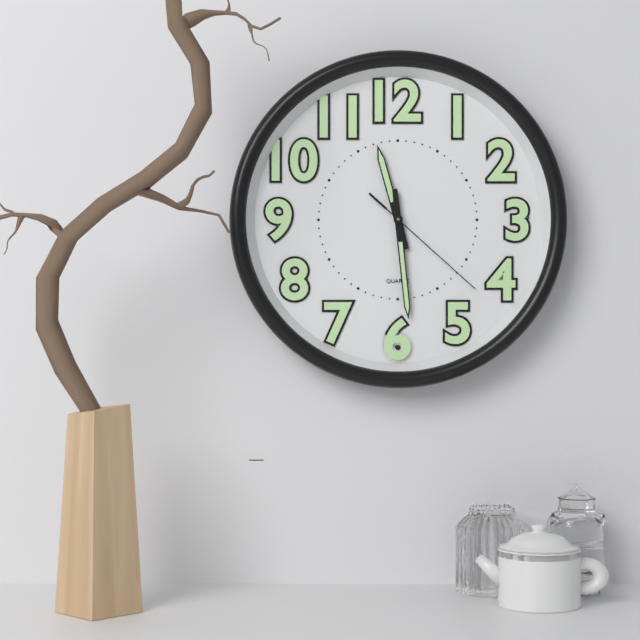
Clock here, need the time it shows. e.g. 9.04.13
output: 11.29.22
